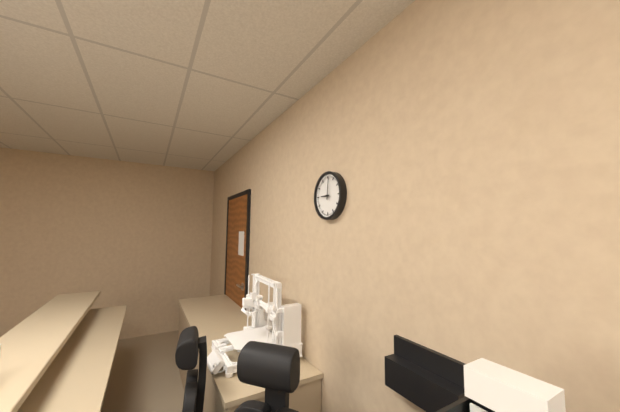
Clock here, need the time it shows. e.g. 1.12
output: 9.01
